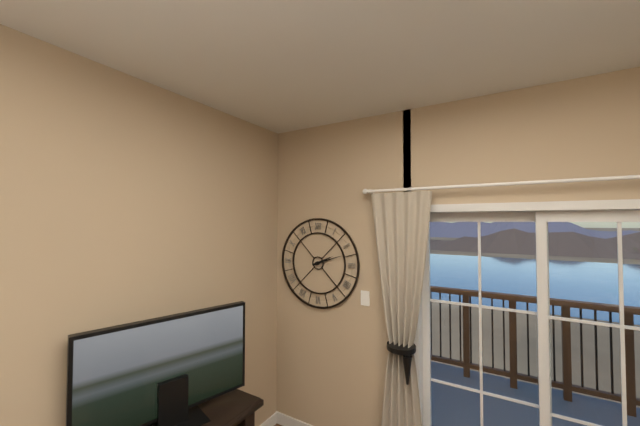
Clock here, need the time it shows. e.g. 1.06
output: 2.12
